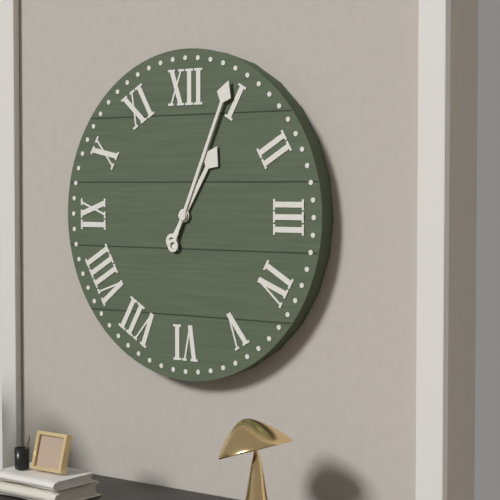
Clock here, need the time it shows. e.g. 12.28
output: 1.04
